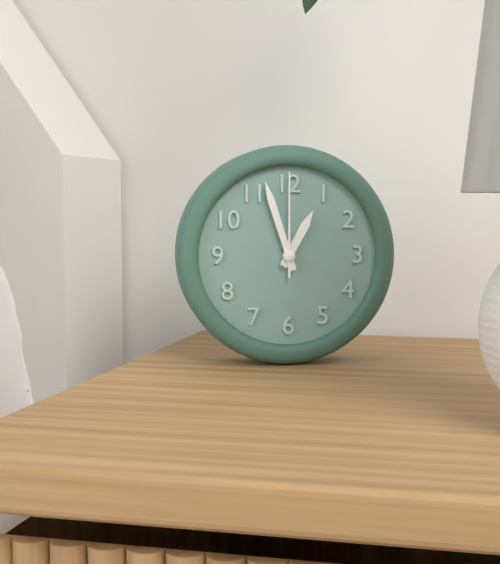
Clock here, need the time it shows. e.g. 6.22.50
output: 12.57.00
